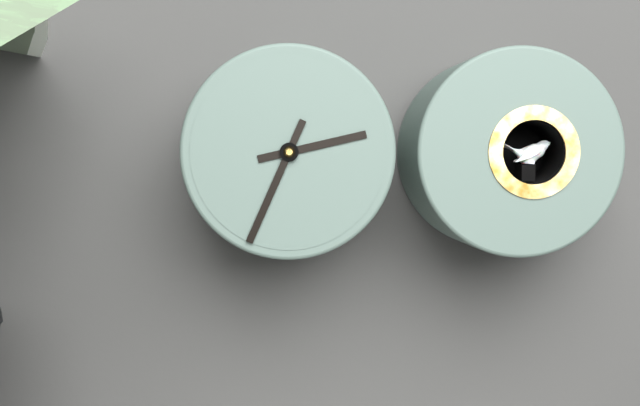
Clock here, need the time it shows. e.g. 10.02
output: 2.34
